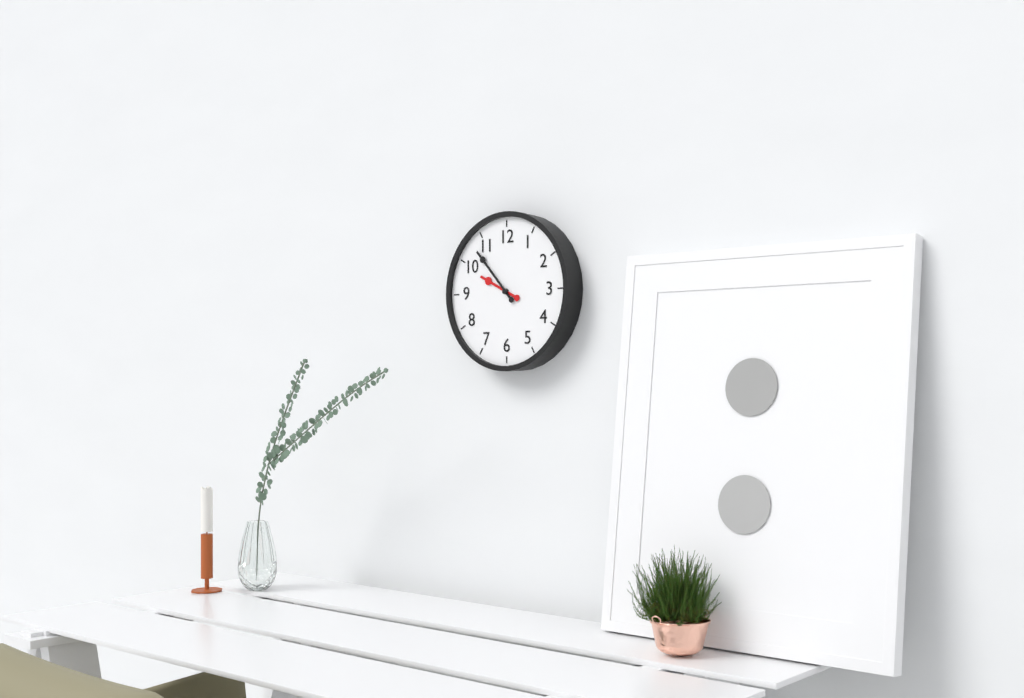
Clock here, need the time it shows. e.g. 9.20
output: 9.53
